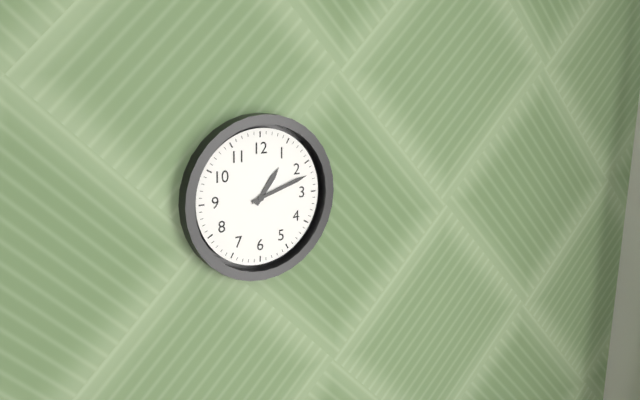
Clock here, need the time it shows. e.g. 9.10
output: 1.12
